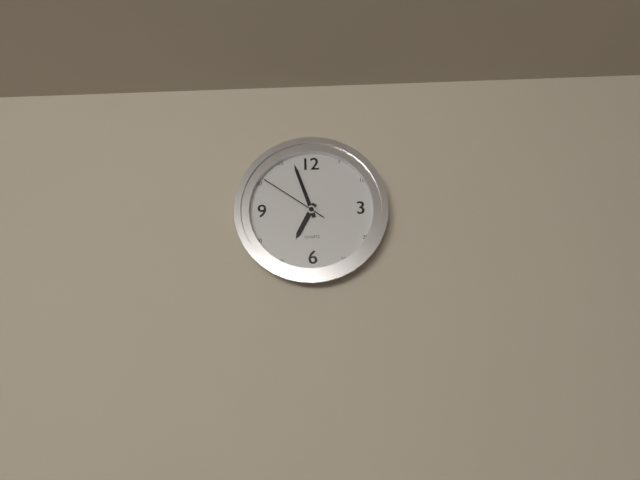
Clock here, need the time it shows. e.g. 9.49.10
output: 6.57.51
